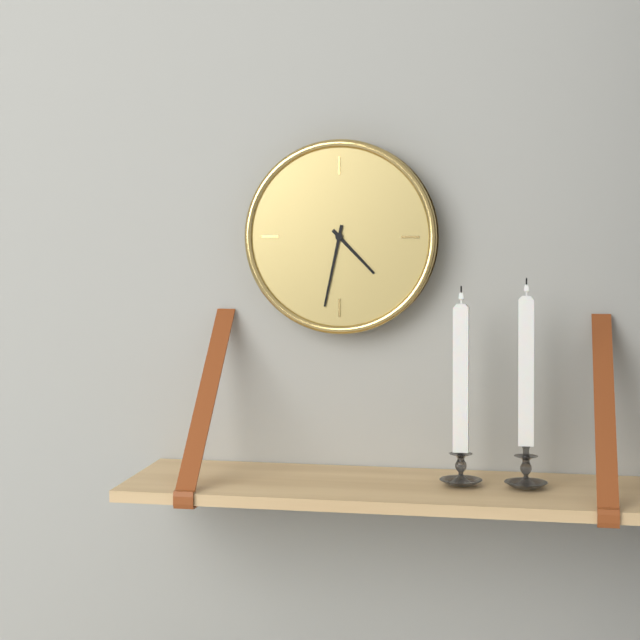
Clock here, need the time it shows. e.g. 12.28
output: 4.32
